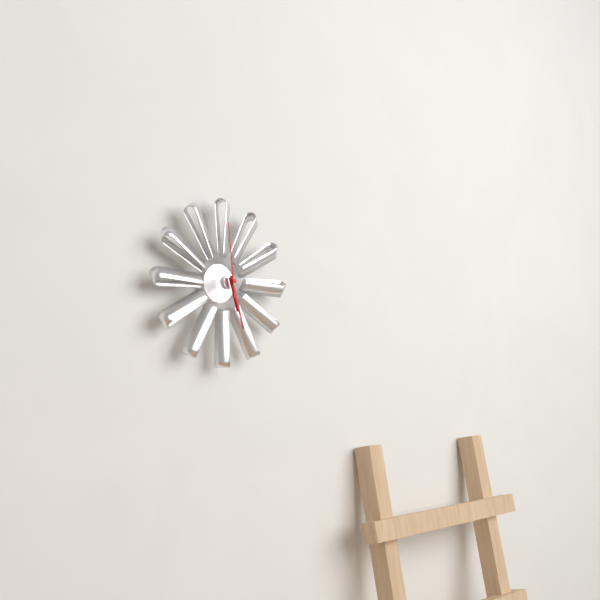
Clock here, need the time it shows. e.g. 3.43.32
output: 5.27.59
